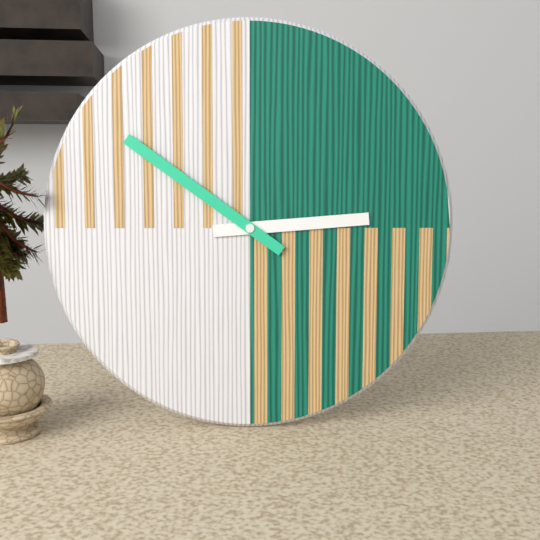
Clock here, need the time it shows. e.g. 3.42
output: 2.51
